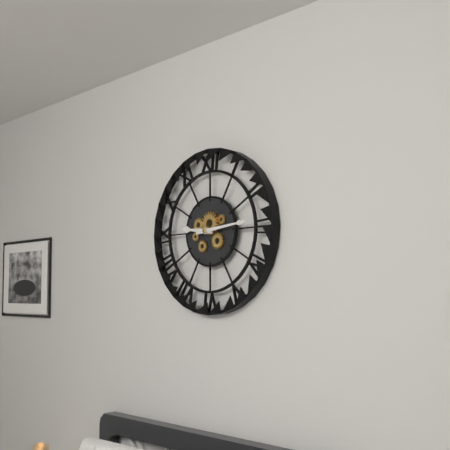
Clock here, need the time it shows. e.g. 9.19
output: 9.14
